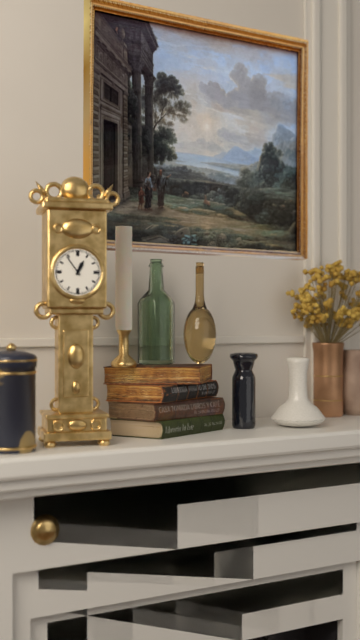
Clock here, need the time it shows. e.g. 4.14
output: 12.54
